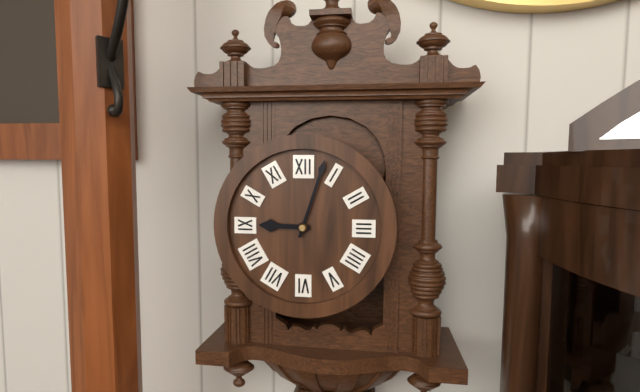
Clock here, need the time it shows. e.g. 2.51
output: 9.03
